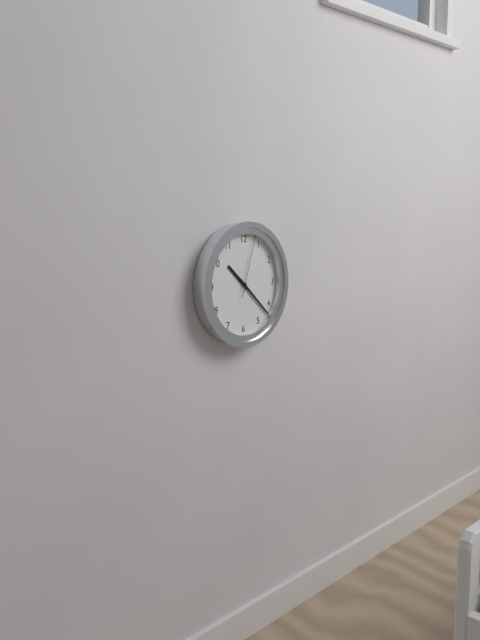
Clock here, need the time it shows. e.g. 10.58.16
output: 10.22.03
